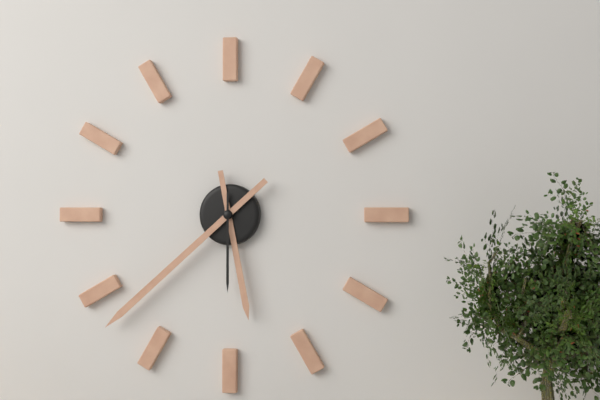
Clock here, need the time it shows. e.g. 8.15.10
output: 5.38.30
